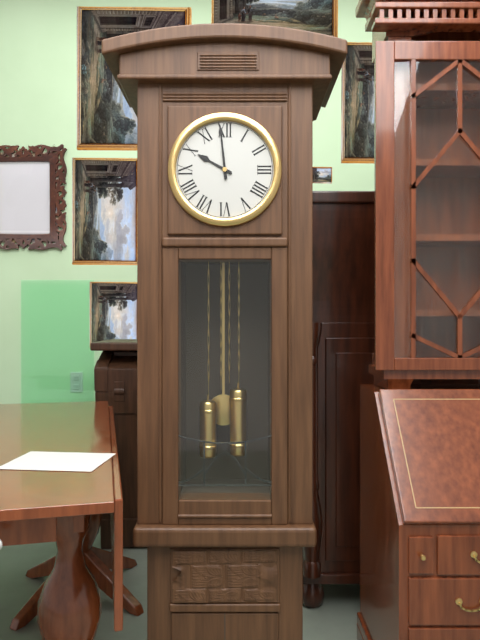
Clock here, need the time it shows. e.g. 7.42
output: 9.59
